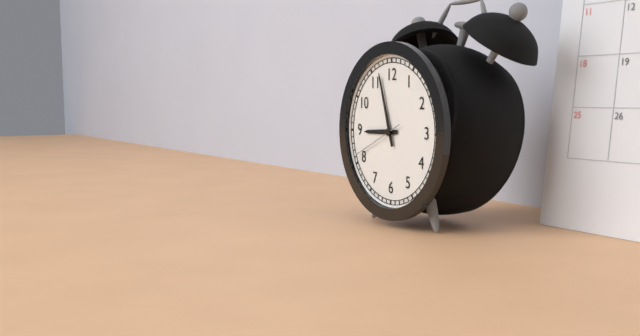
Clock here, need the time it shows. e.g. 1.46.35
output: 8.57.41
